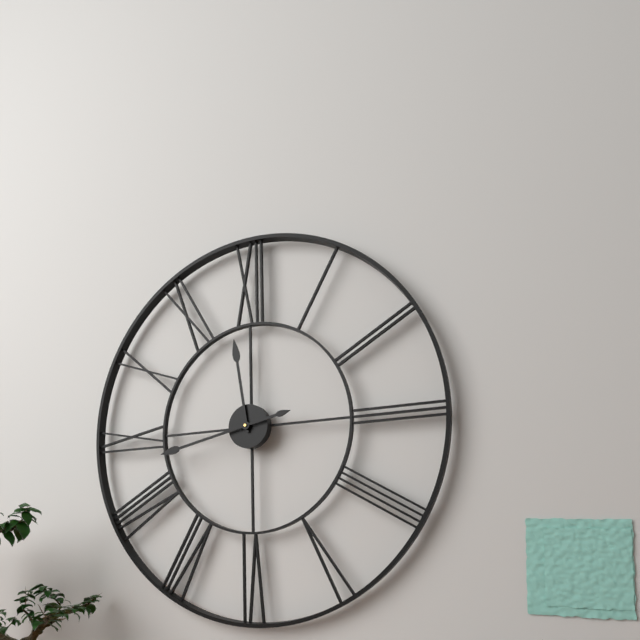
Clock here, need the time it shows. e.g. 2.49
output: 11.43
